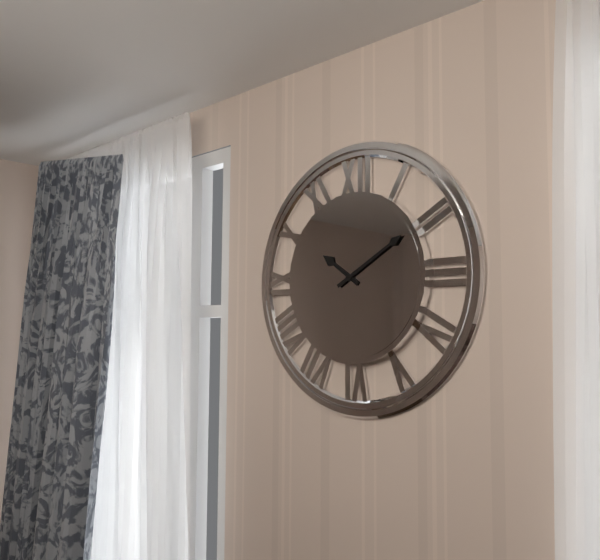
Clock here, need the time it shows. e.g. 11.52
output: 10.10
